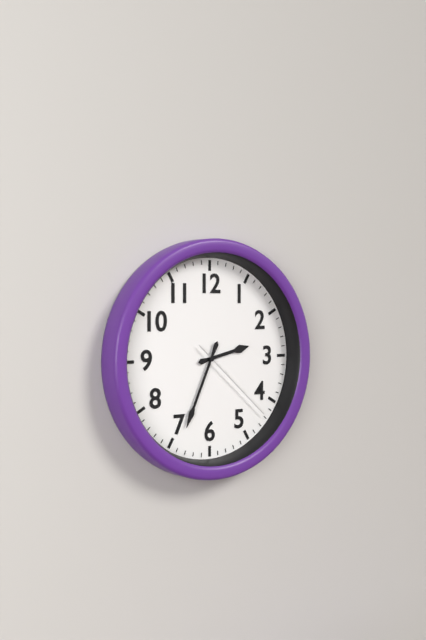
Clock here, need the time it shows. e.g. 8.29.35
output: 2.34.22
